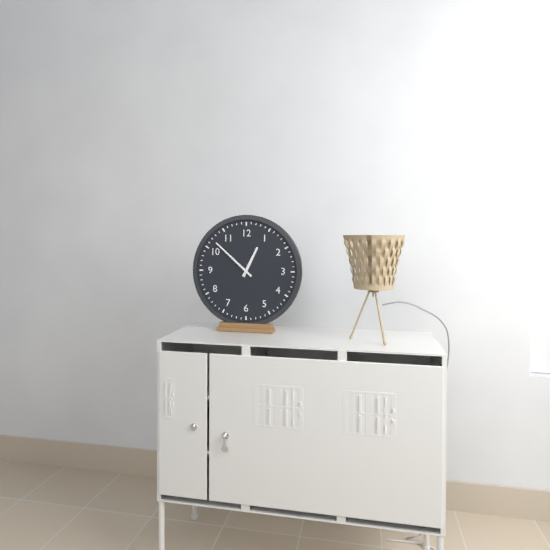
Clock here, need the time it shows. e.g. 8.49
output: 12.52
